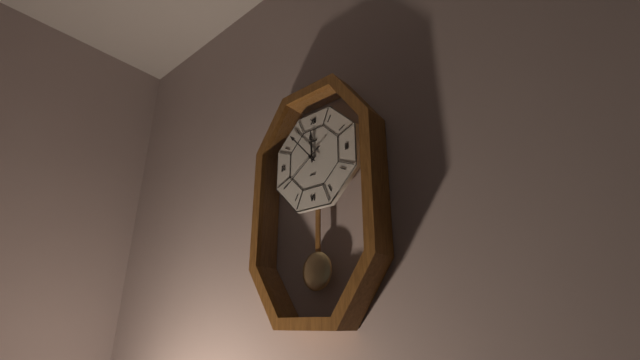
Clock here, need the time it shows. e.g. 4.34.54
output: 11.53.39
